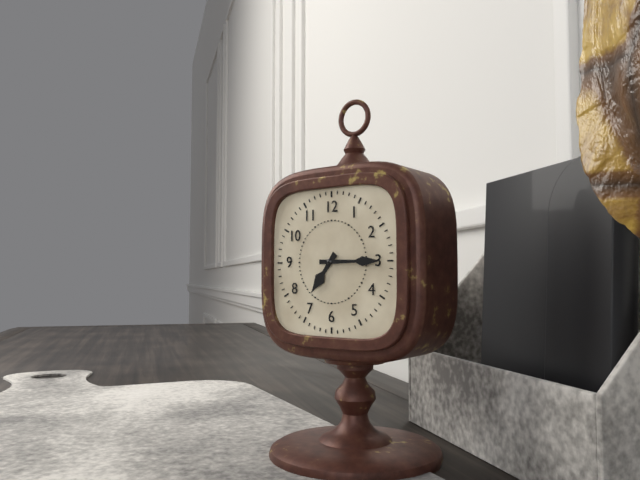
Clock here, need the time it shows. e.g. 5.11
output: 7.15
